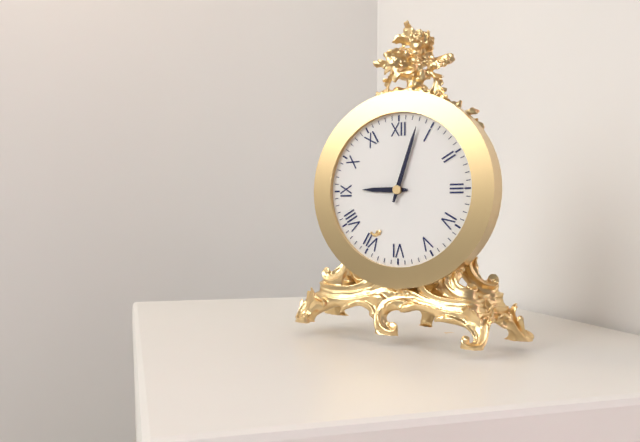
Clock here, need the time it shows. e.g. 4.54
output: 9.03
